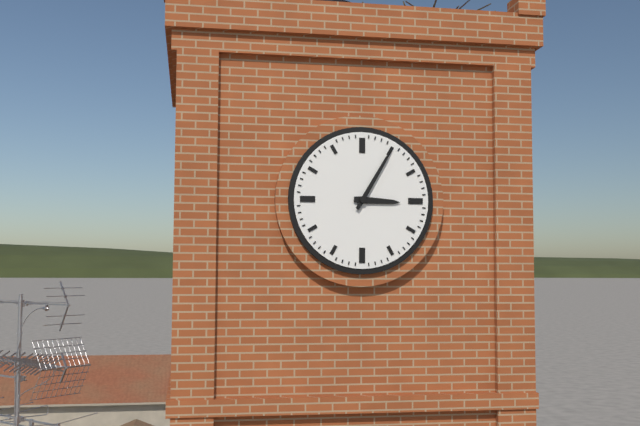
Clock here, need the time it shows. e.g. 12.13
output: 3.05
